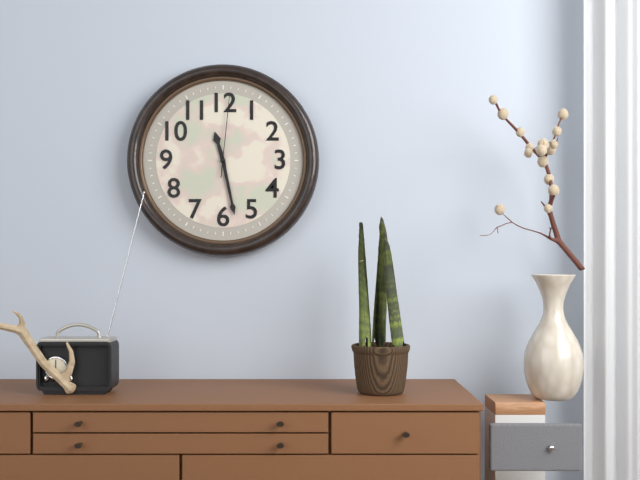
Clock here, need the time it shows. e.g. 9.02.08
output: 11.28.01
